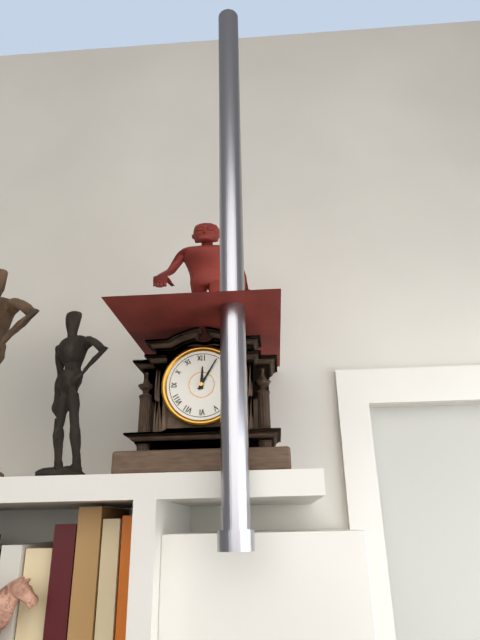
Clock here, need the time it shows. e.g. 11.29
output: 12.05
